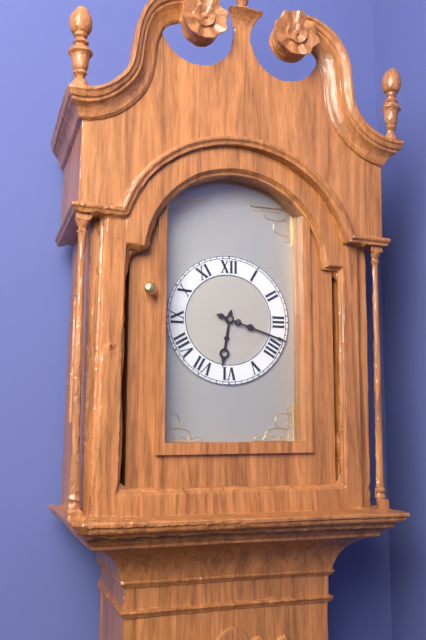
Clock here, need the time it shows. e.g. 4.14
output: 6.18
